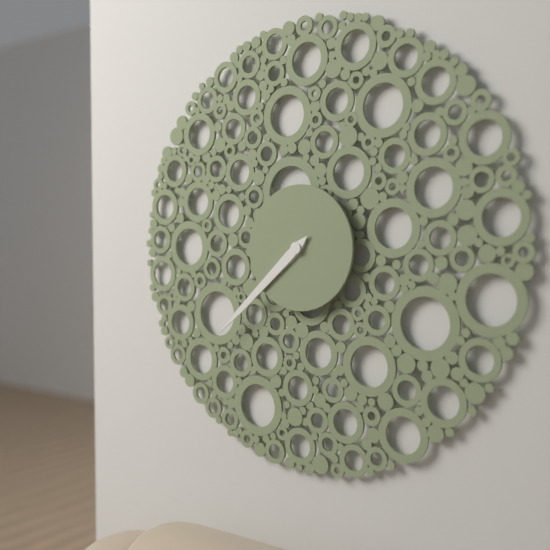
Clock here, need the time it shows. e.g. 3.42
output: 7.38
